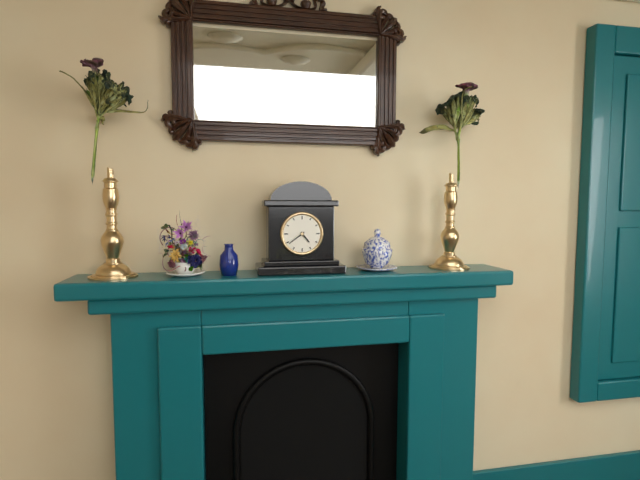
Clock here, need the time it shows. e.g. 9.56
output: 4.39
